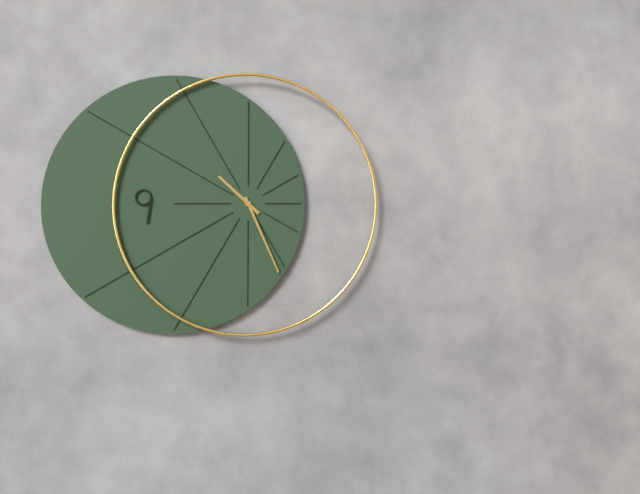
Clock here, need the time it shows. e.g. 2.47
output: 10.26
